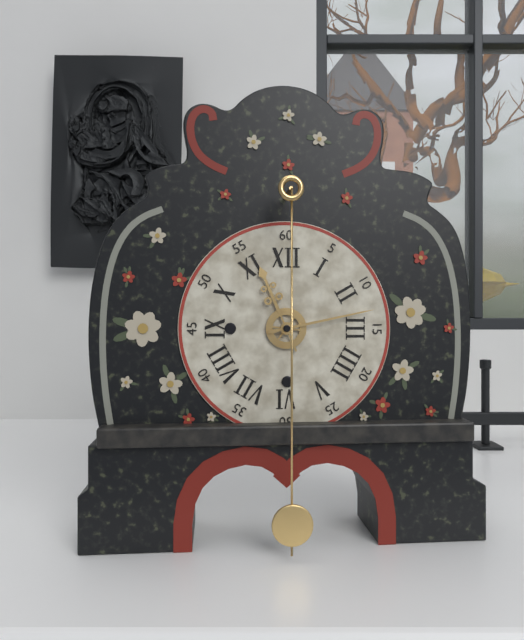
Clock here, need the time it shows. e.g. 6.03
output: 11.13
